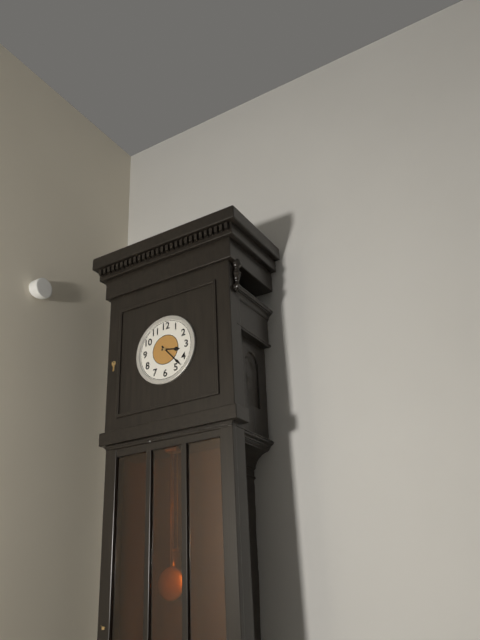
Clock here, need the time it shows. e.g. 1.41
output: 3.23
